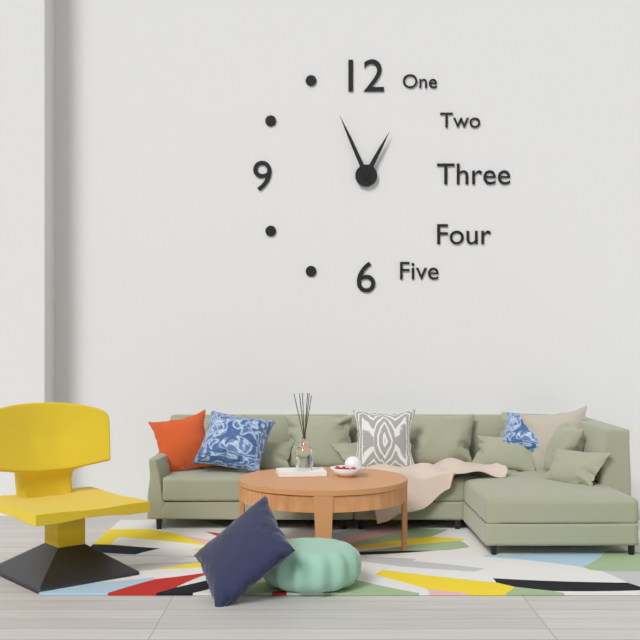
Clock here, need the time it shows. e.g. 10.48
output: 12.56
